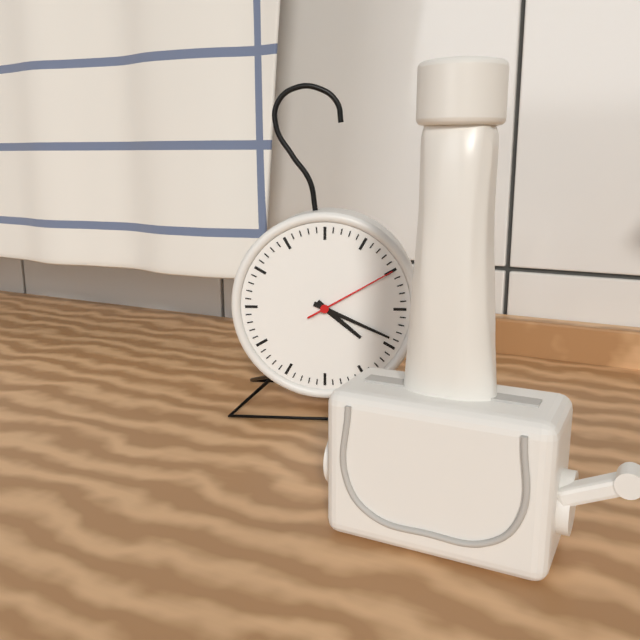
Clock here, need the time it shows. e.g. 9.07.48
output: 4.19.10
